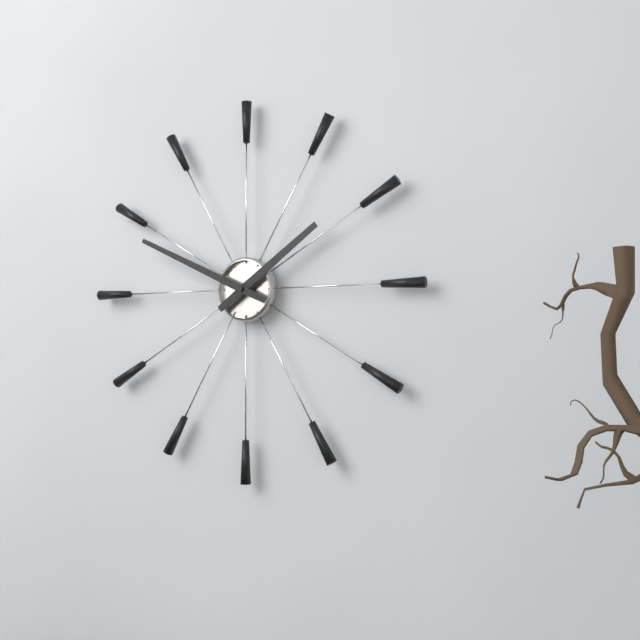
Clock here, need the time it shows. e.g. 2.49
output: 1.49
